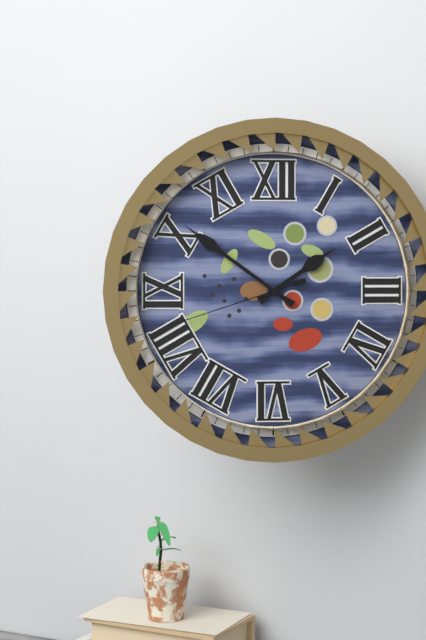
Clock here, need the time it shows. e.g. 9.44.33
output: 1.51.42
